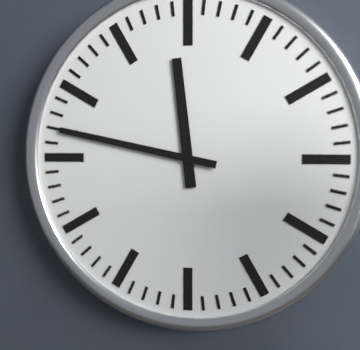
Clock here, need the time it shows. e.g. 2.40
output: 11.47
